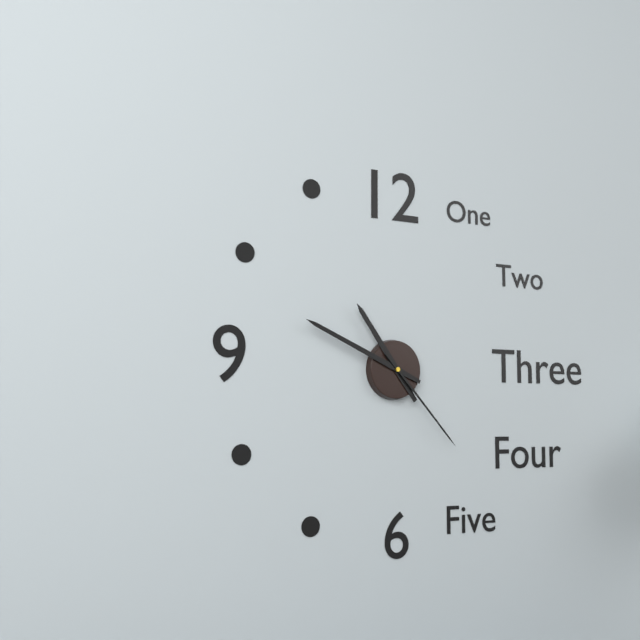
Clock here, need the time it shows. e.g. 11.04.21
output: 10.49.23
